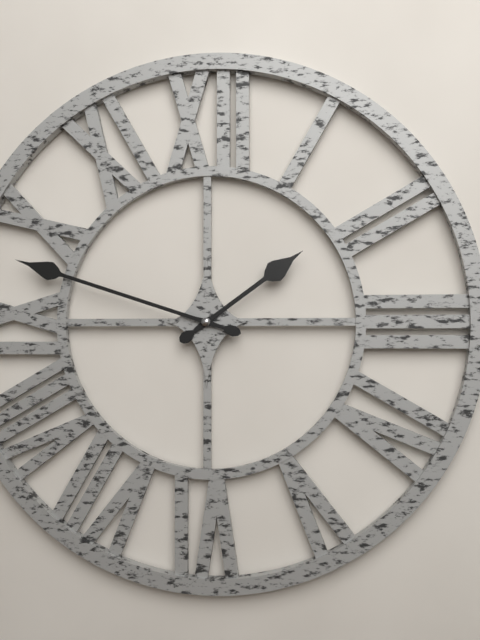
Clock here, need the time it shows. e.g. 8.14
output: 1.48
